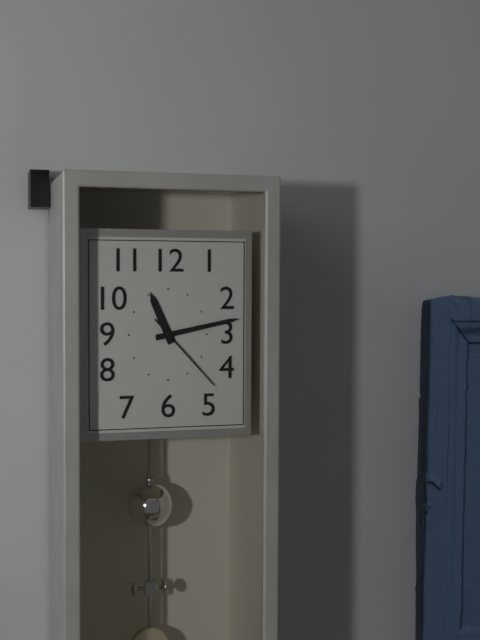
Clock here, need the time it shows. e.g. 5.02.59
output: 11.13.23
